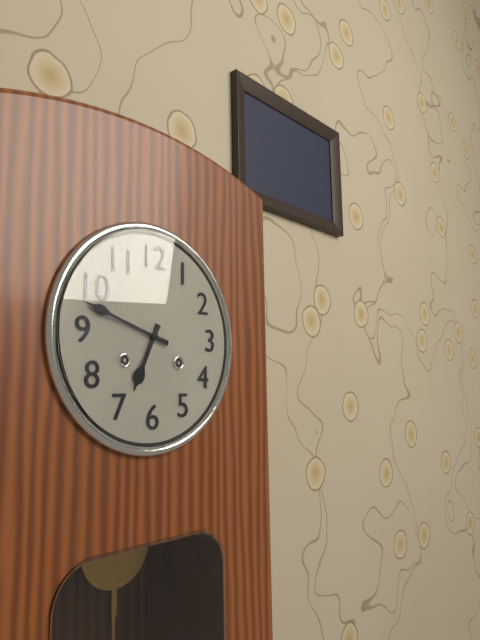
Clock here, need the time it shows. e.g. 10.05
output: 6.48
